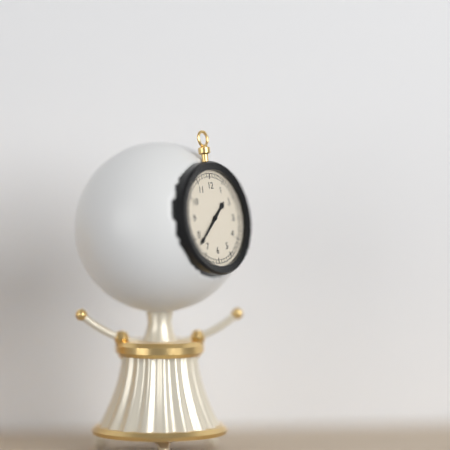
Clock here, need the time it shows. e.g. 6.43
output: 1.38
